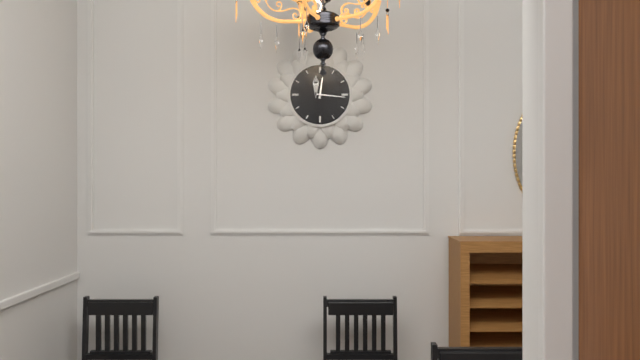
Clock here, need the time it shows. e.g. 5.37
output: 12.16
